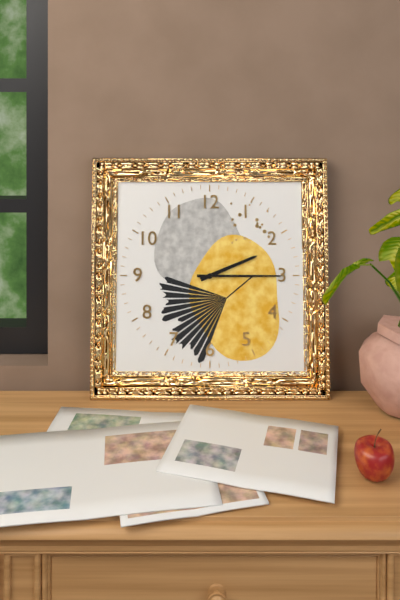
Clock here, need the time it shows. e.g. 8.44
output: 2.15
